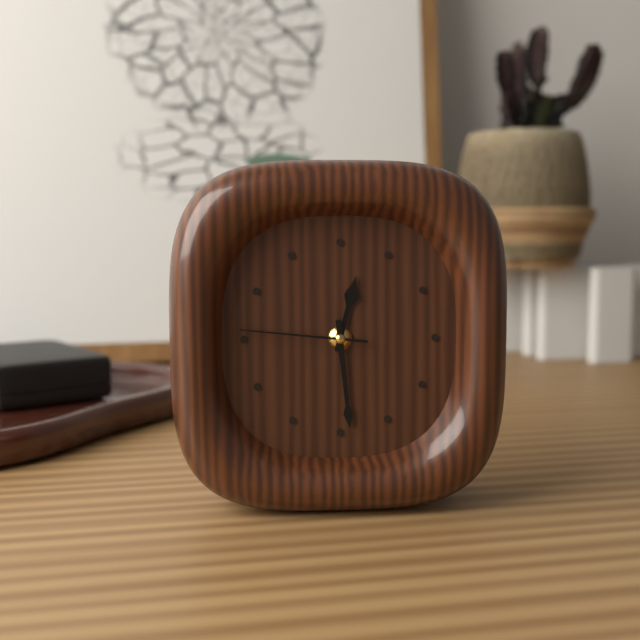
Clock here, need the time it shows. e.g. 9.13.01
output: 12.29.46
